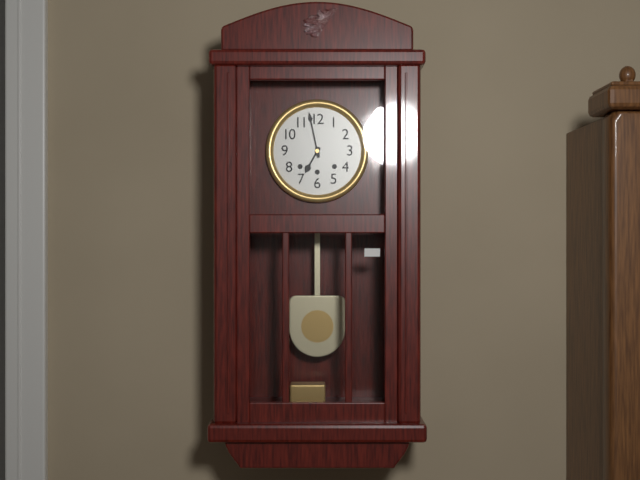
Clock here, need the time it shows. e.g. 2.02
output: 6.58
